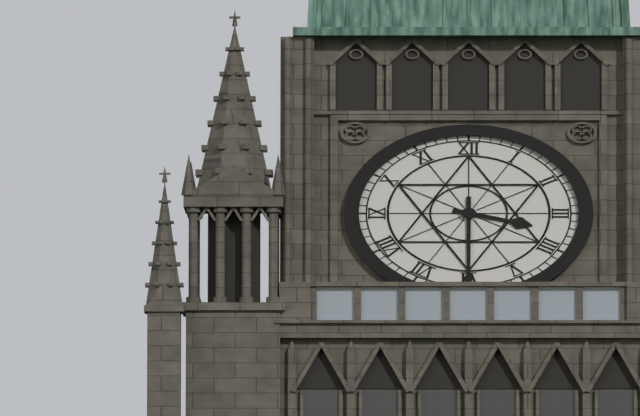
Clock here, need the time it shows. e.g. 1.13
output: 3.30
